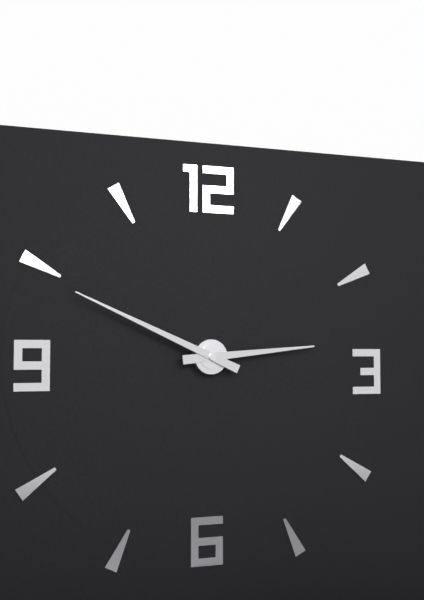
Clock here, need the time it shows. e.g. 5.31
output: 2.49
